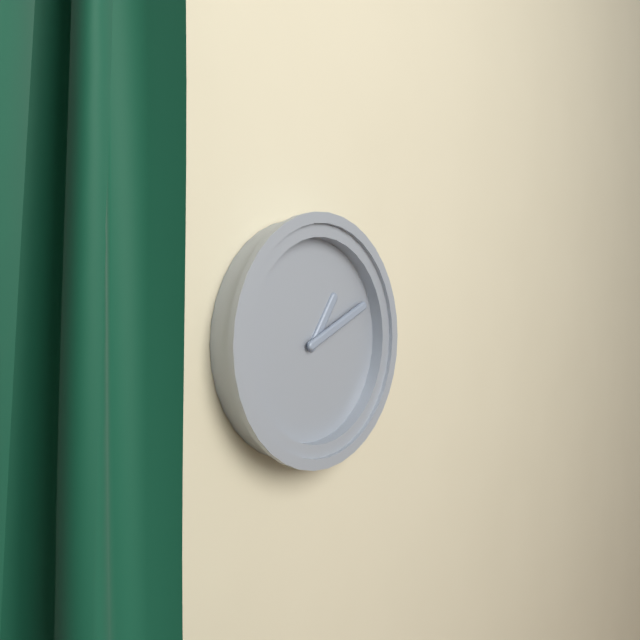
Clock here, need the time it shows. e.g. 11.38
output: 1.11
